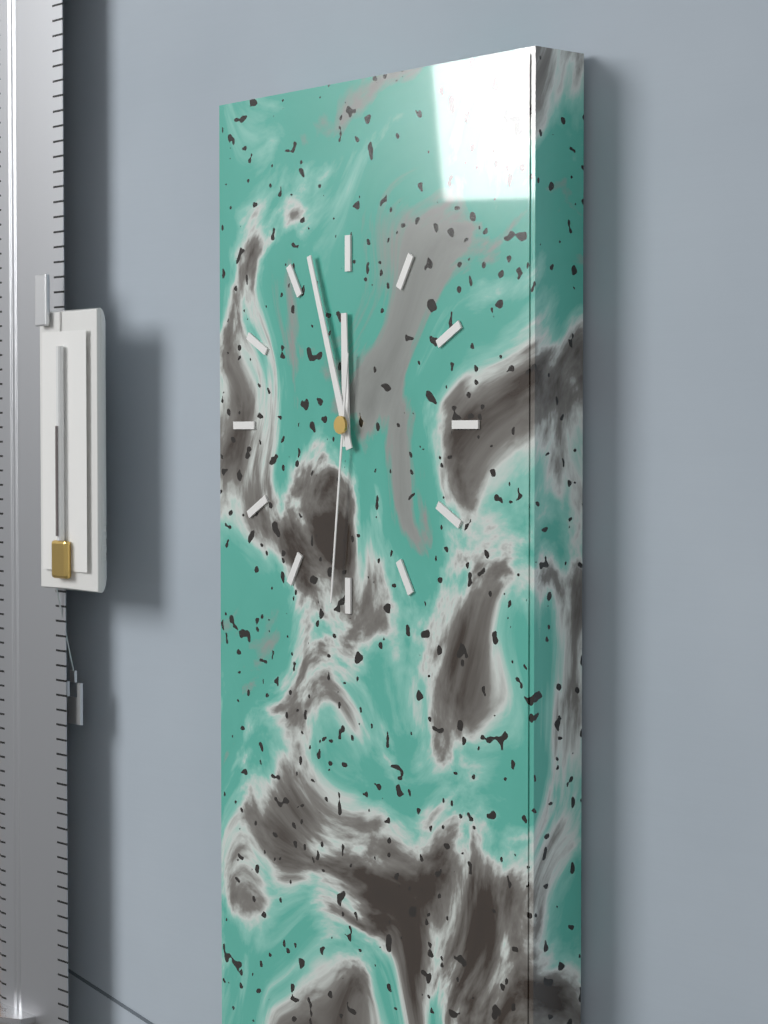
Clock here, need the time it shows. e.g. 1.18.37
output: 11.57.31
